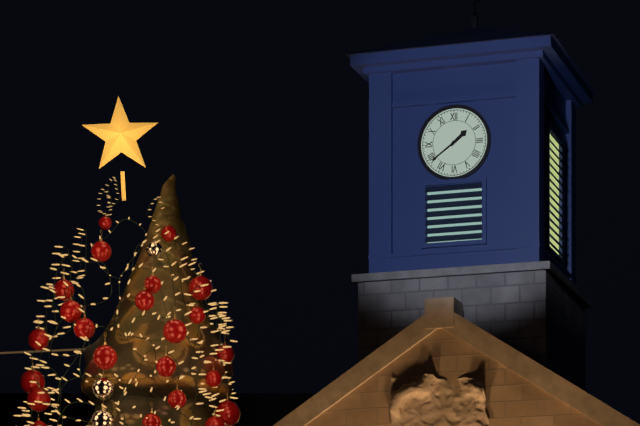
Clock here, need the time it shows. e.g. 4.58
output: 1.39
